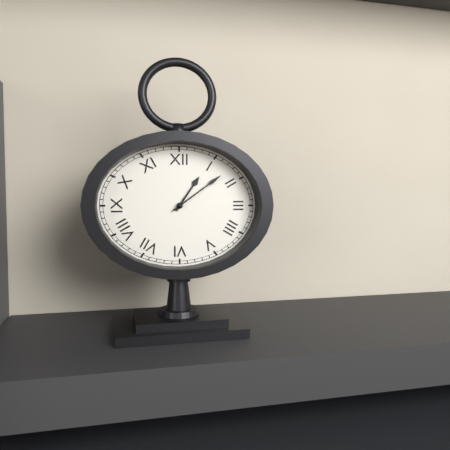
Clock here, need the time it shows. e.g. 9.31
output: 1.09
